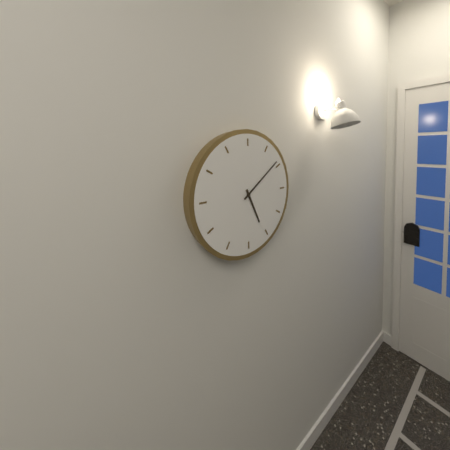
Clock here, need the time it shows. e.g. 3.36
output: 5.09
